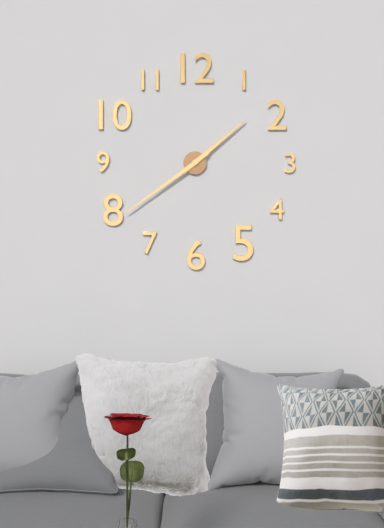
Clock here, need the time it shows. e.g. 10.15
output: 1.39
